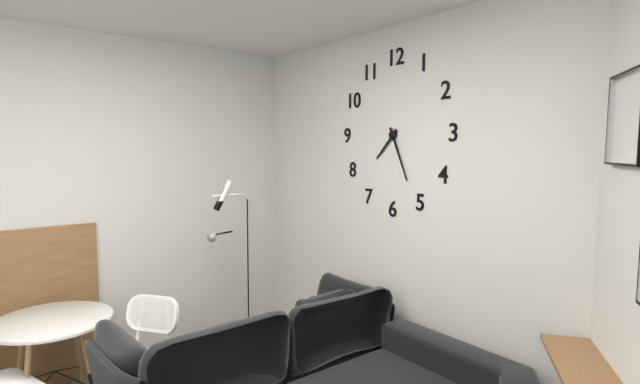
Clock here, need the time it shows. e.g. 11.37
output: 7.26
